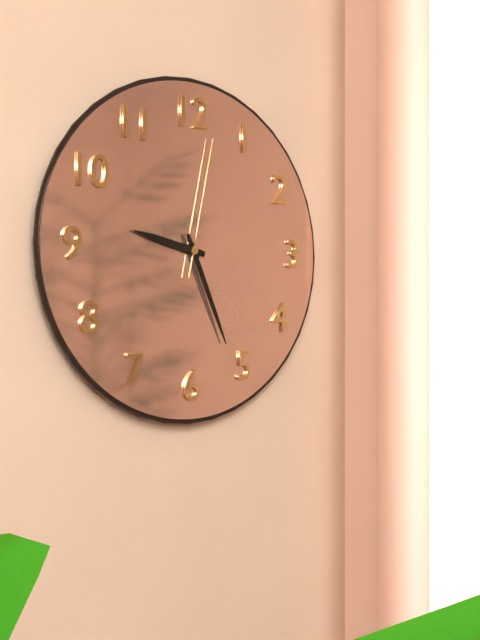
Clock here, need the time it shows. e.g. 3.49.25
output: 9.26.02
